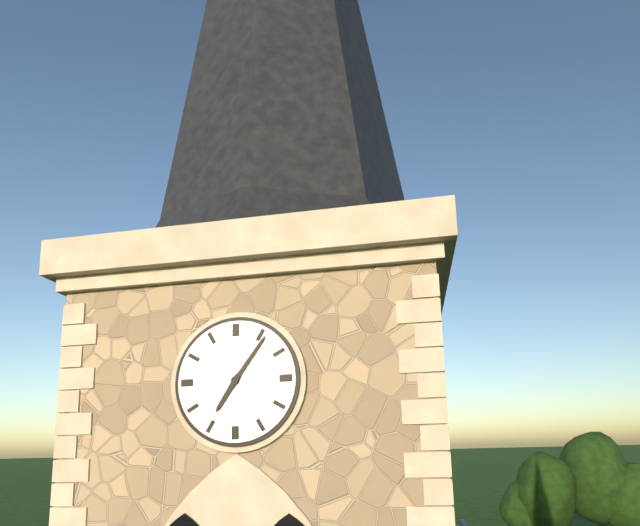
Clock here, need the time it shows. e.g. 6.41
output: 7.06
